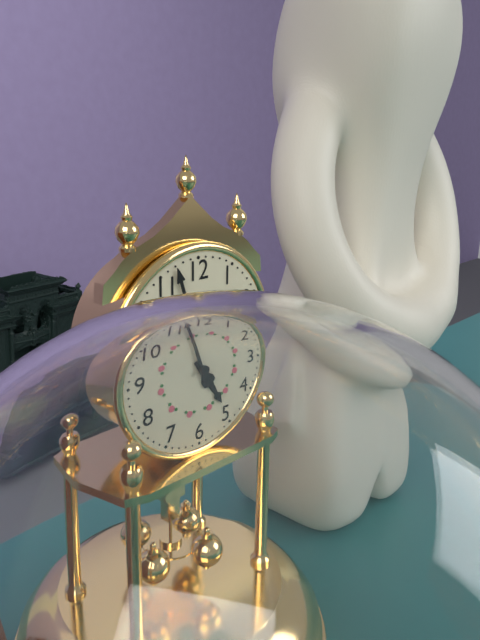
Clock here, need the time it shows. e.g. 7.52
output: 4.57
